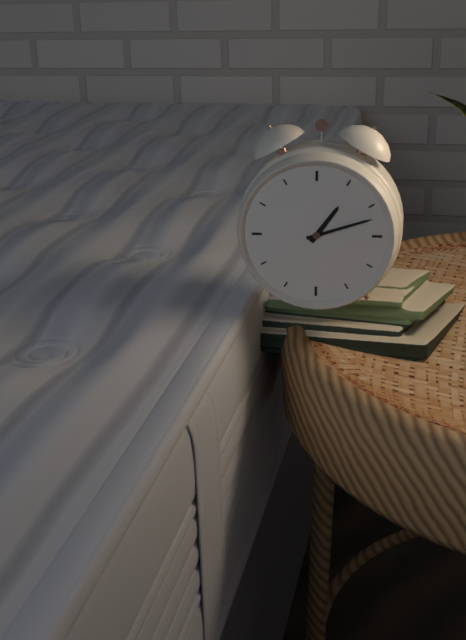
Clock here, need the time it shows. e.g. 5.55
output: 1.12
